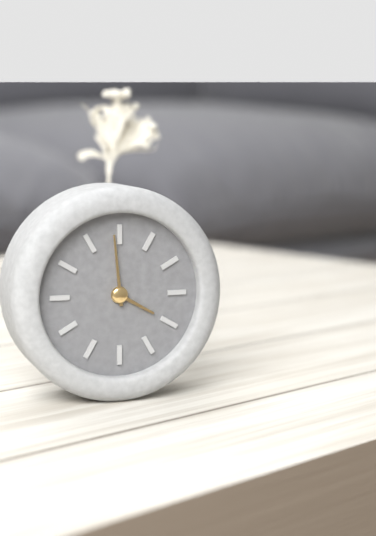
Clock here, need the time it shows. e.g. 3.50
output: 3.59
